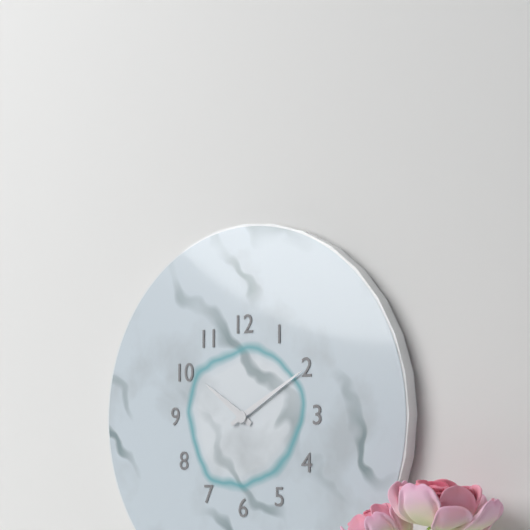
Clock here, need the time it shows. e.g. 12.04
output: 10.10
